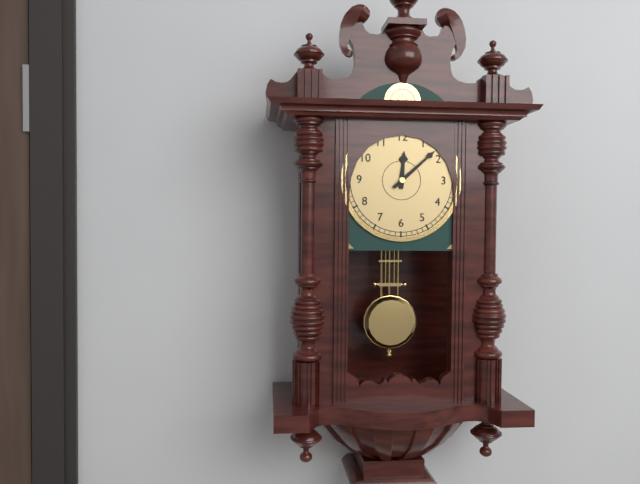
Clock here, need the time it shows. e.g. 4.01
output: 12.08
